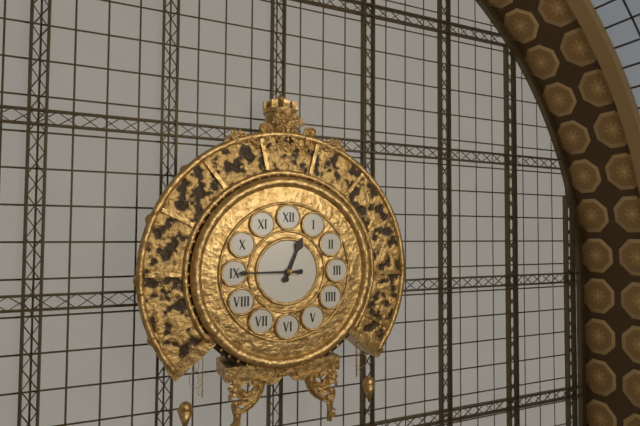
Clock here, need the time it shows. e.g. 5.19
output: 12.45
